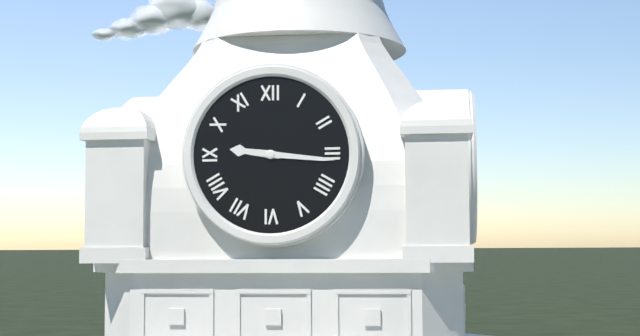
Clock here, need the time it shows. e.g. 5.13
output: 9.16
